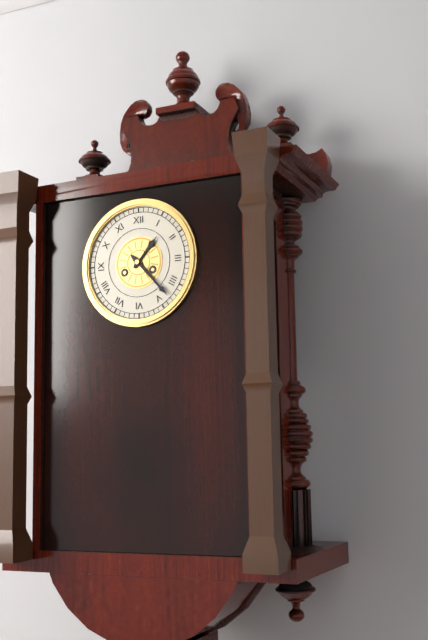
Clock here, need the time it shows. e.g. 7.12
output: 1.23
